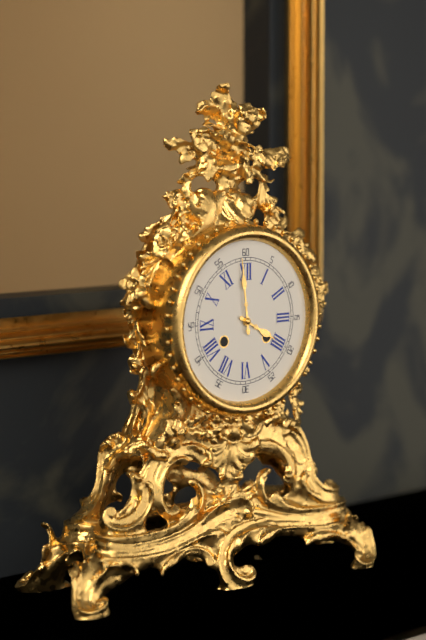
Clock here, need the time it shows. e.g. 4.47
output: 3.59
